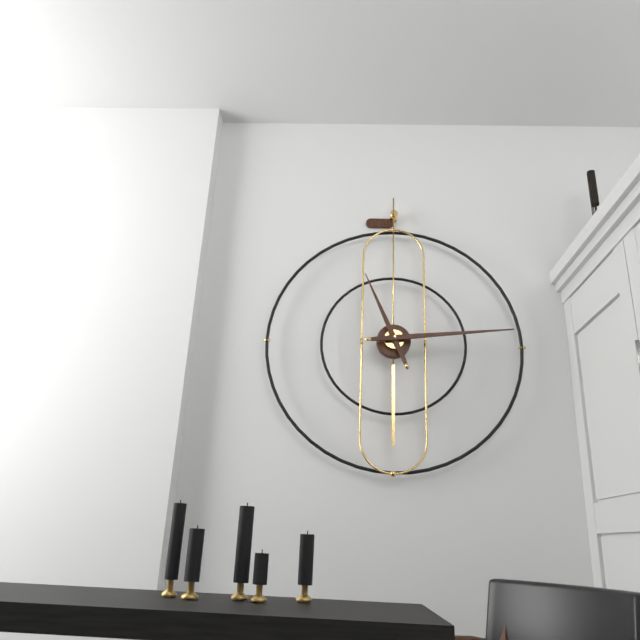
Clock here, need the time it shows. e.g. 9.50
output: 11.14
